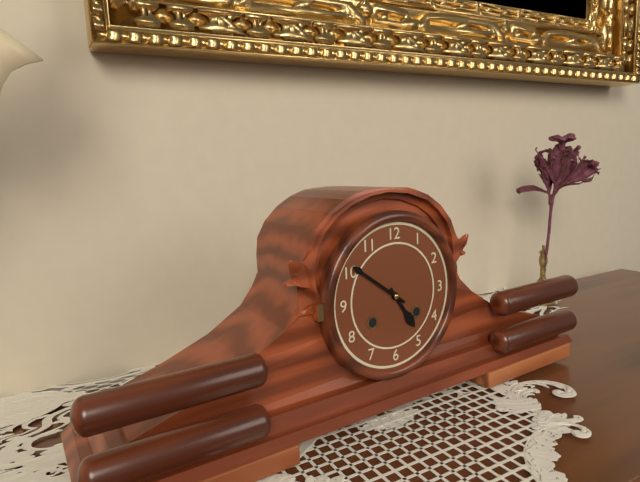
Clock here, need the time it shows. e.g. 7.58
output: 4.51
